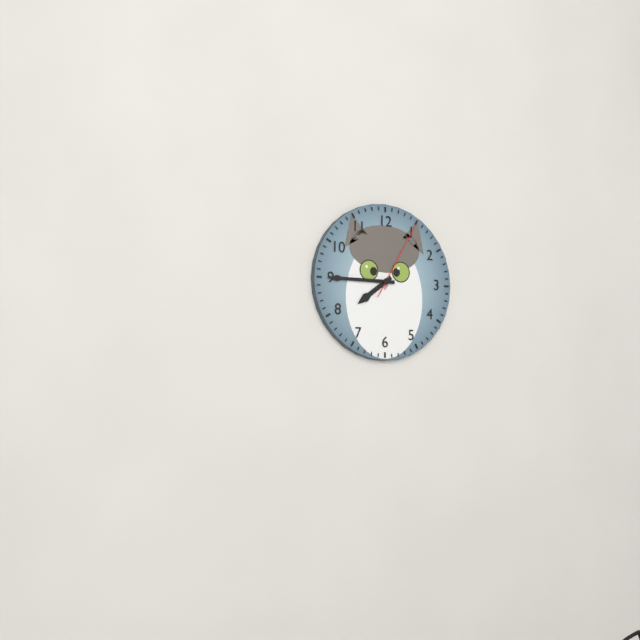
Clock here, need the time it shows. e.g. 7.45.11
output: 7.45.05
